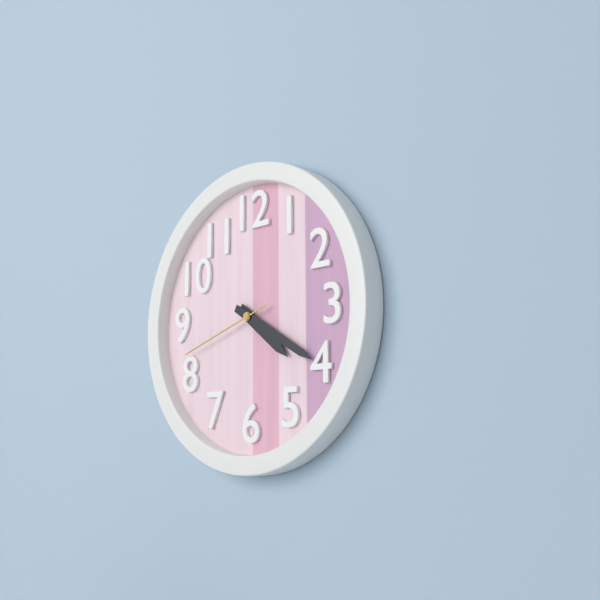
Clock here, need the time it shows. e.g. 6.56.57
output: 4.20.42
